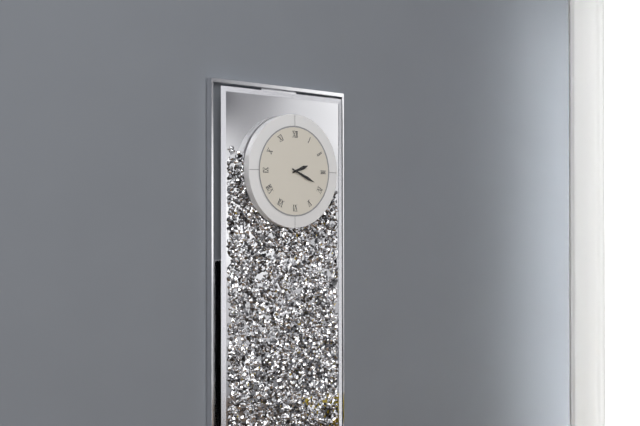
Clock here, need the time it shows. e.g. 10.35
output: 2.19
